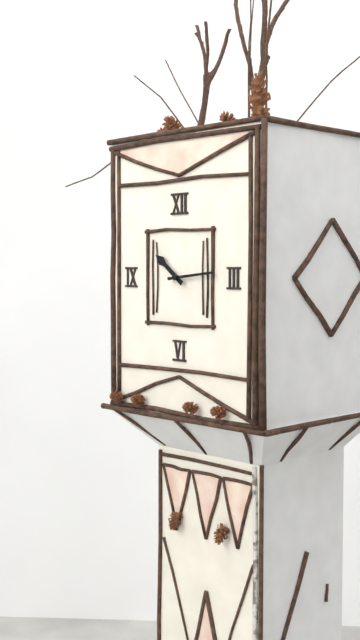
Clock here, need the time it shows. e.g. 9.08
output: 10.14
